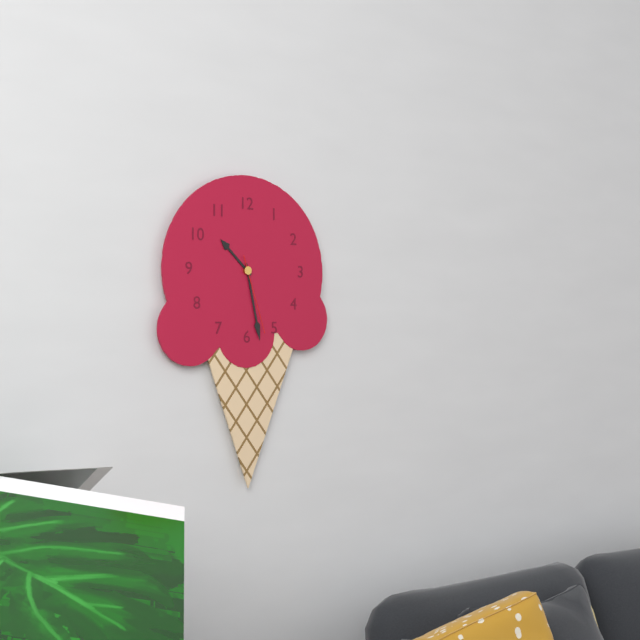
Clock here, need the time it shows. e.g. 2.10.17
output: 10.28.27
